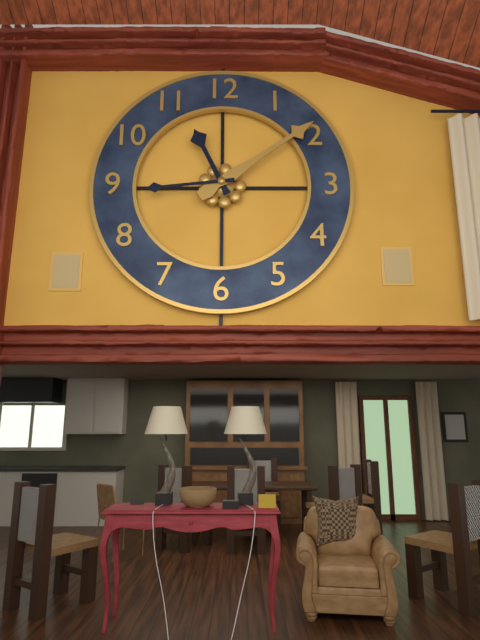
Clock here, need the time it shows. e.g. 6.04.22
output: 11.09.44
